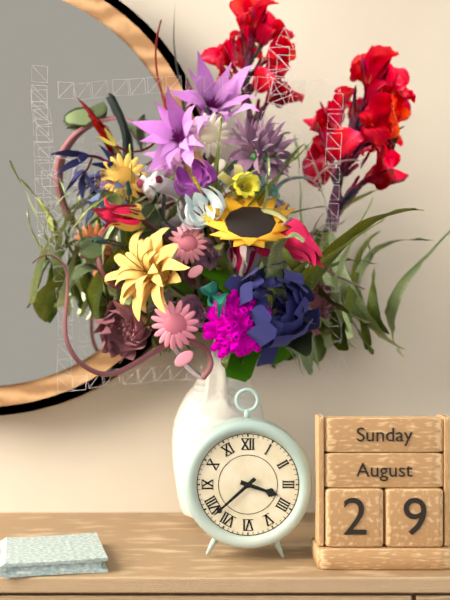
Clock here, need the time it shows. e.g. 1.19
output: 3.38
